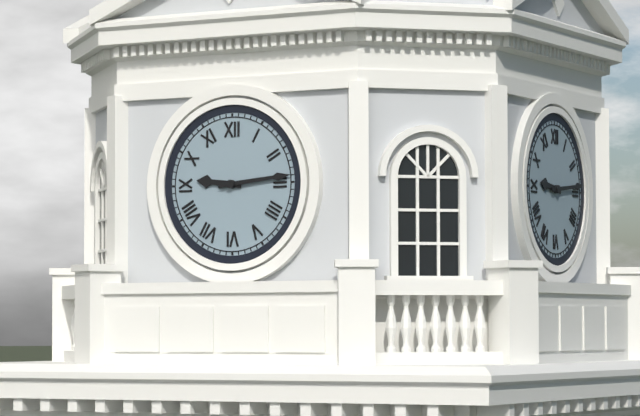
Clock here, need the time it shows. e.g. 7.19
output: 9.14
